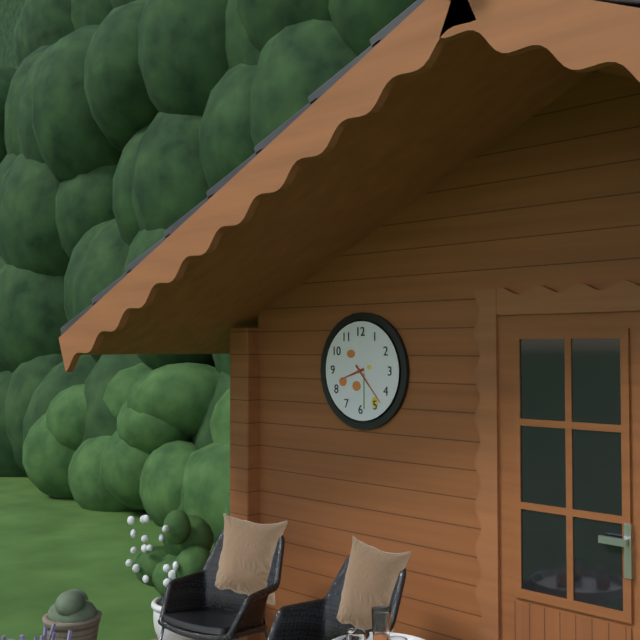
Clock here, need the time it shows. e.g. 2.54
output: 8.23
